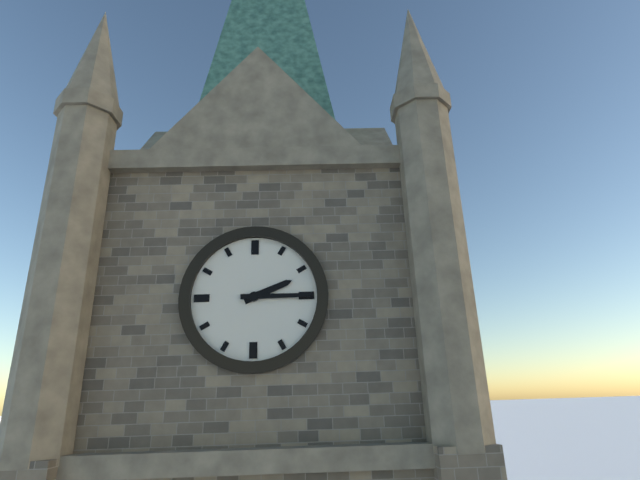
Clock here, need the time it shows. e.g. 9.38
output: 2.15
